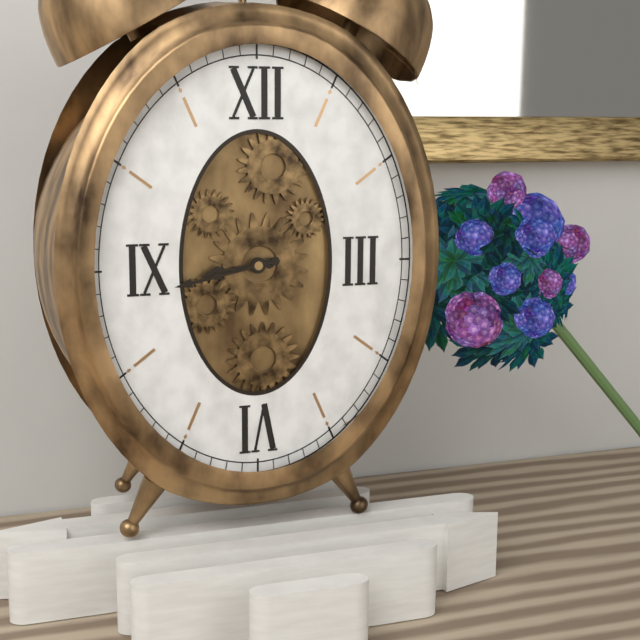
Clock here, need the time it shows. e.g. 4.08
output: 8.43
